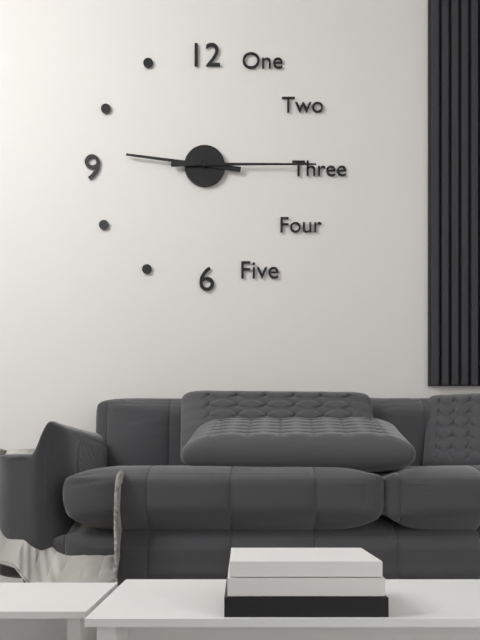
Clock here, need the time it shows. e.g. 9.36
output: 9.15
